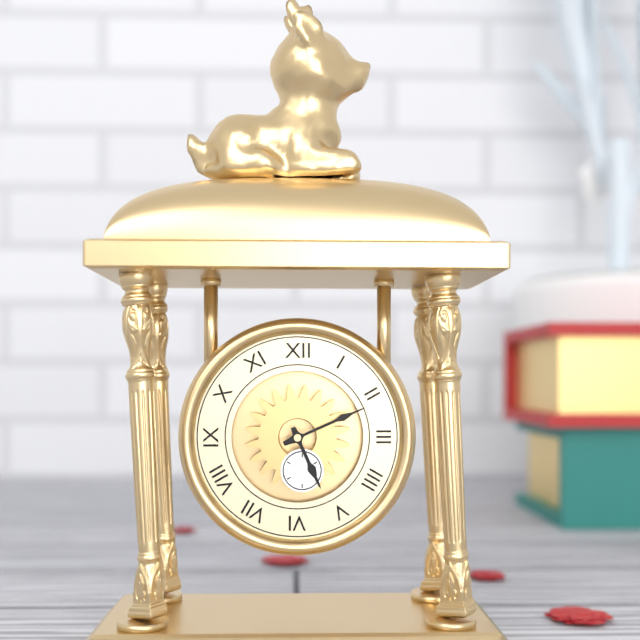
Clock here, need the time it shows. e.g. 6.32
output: 5.11
